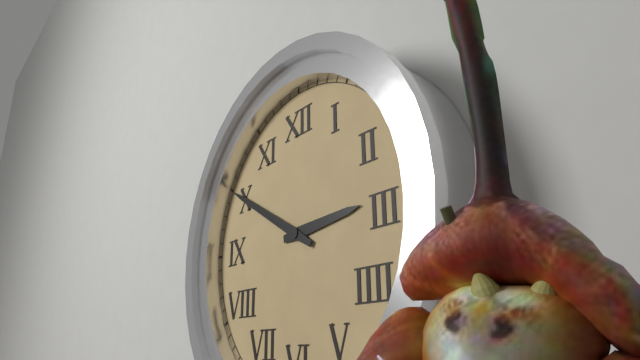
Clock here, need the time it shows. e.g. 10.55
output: 2.50
